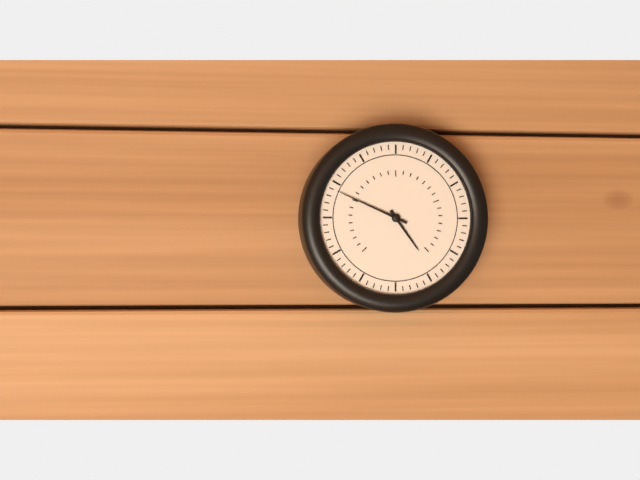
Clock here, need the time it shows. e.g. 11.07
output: 4.49
